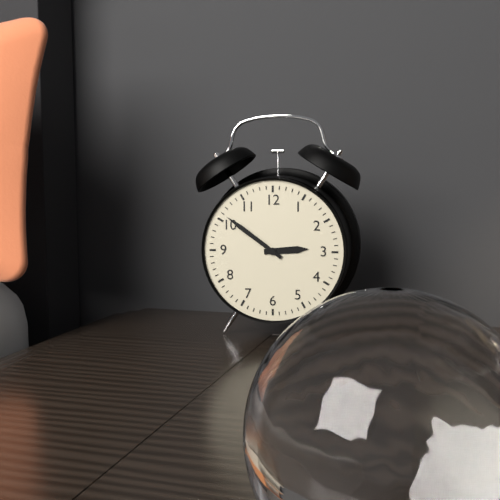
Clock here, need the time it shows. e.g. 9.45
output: 2.51
